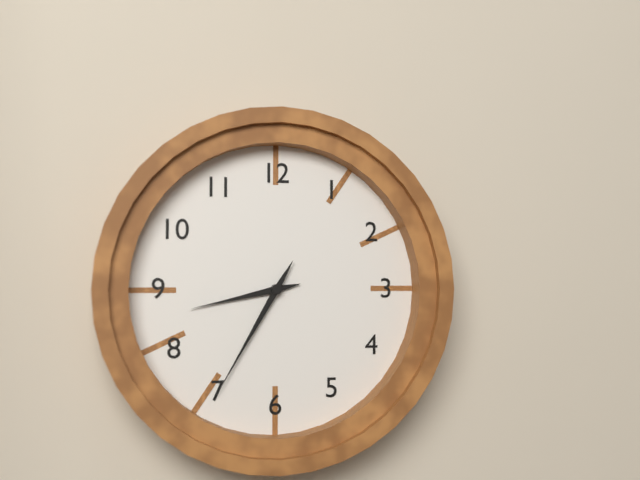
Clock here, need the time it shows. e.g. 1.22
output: 8.35
